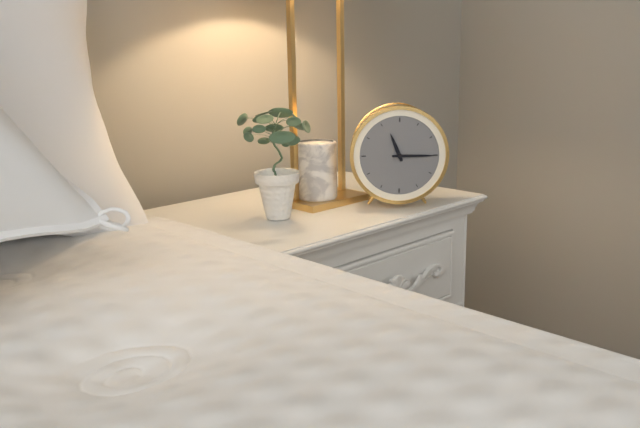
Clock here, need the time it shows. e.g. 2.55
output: 11.15
